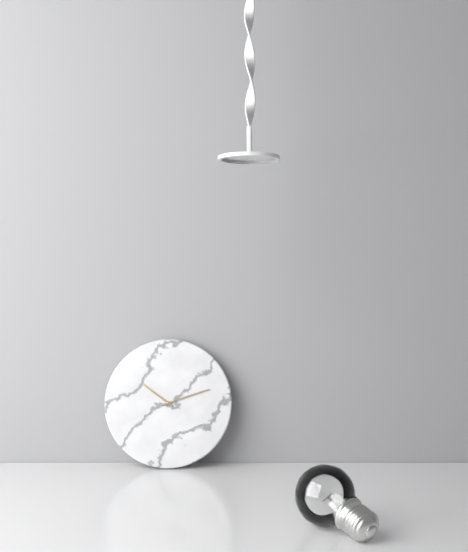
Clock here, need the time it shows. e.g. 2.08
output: 10.12
